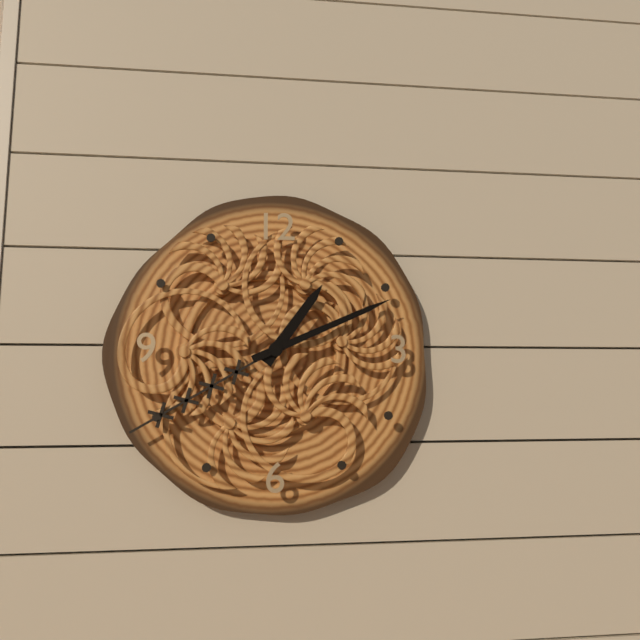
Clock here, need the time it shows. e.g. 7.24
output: 1.11
